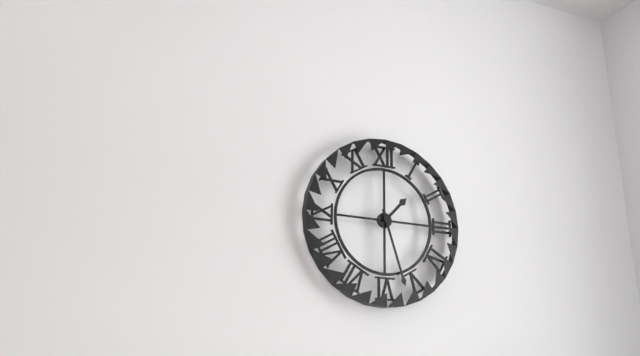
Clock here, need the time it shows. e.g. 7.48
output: 1.27
